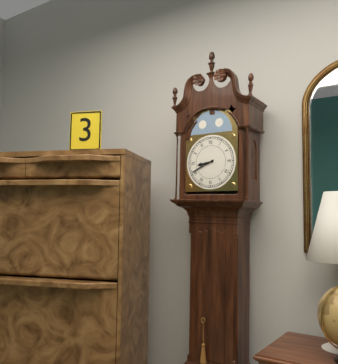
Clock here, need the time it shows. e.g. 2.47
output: 8.41
